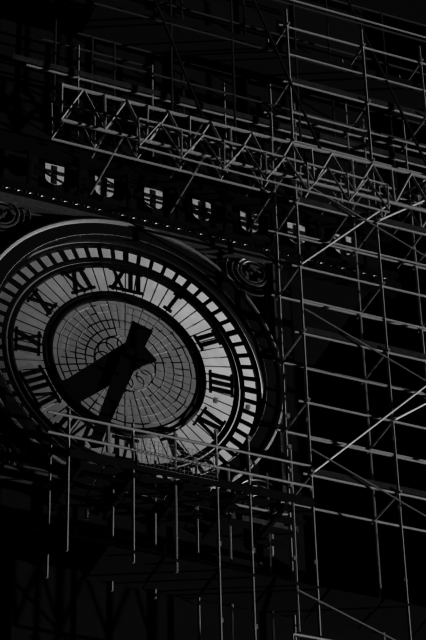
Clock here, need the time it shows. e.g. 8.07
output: 7.33
